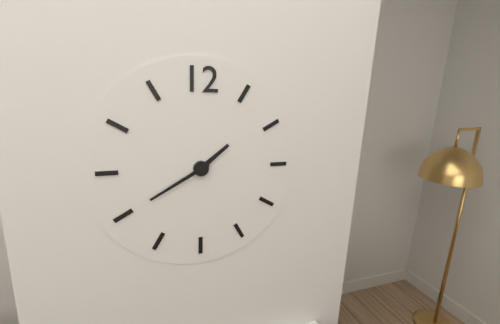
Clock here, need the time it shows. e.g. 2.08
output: 1.40
